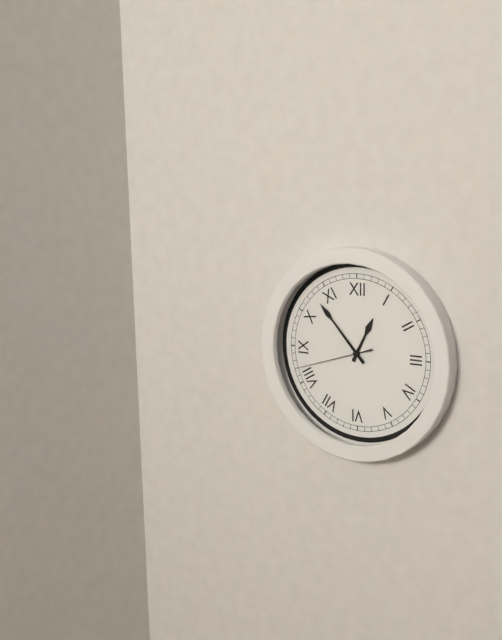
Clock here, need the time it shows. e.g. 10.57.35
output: 12.53.42
